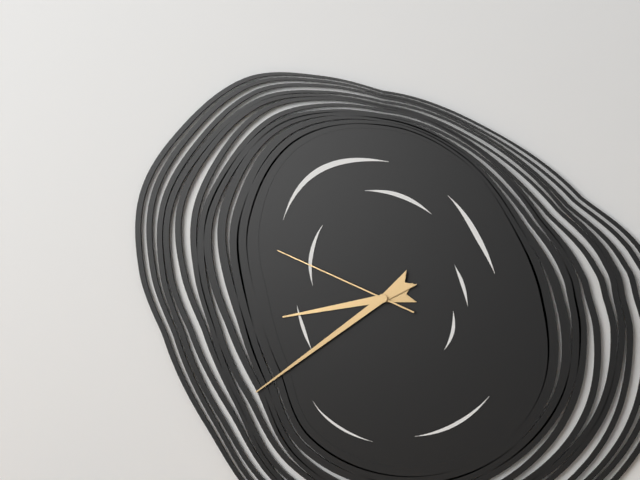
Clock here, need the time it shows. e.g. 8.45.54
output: 8.39.49
